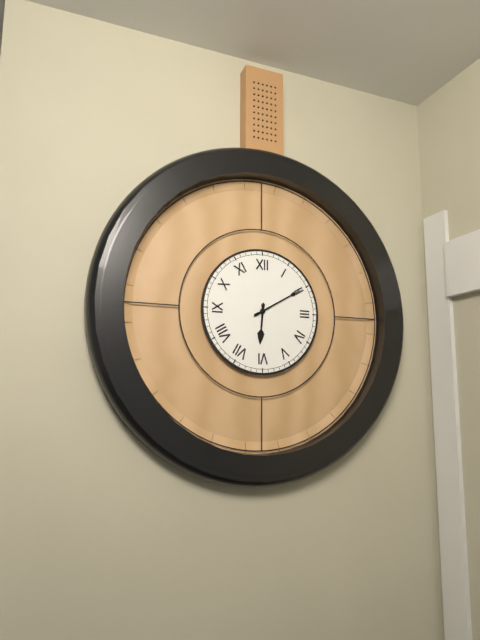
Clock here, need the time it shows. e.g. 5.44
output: 6.10
